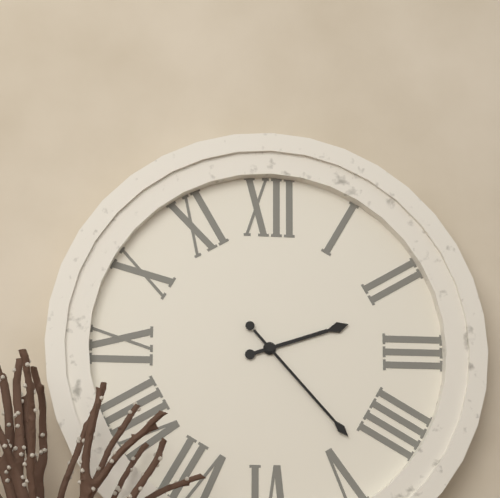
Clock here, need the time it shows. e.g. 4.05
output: 2.23
